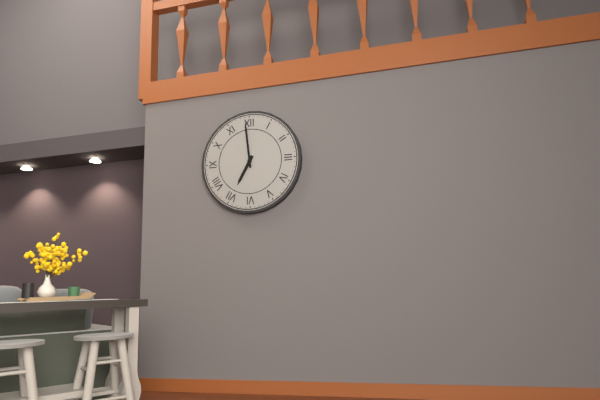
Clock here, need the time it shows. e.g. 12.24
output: 6.59
